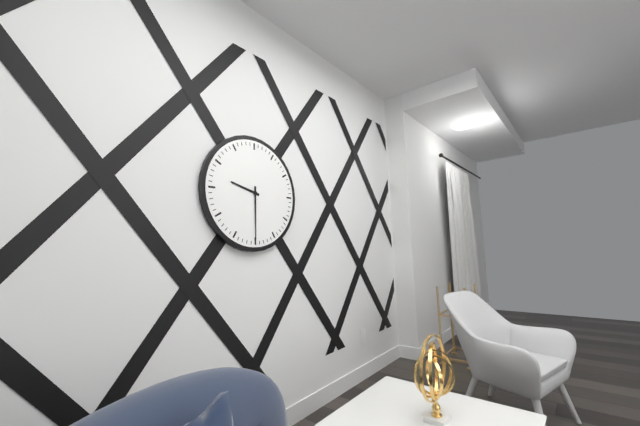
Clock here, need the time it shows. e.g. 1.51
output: 9.30
